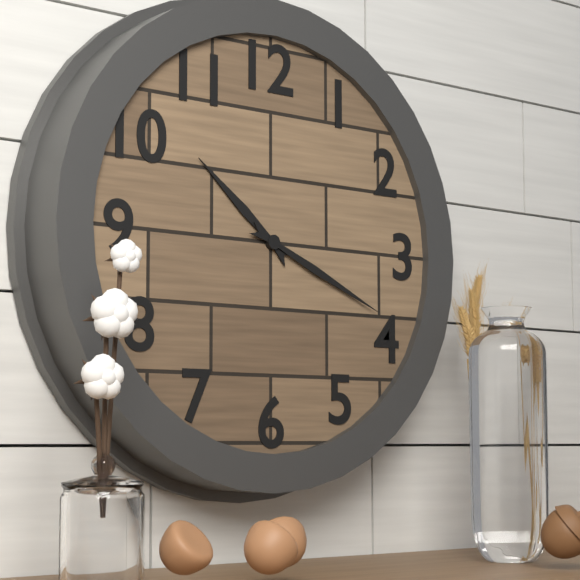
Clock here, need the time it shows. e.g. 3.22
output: 10.19
